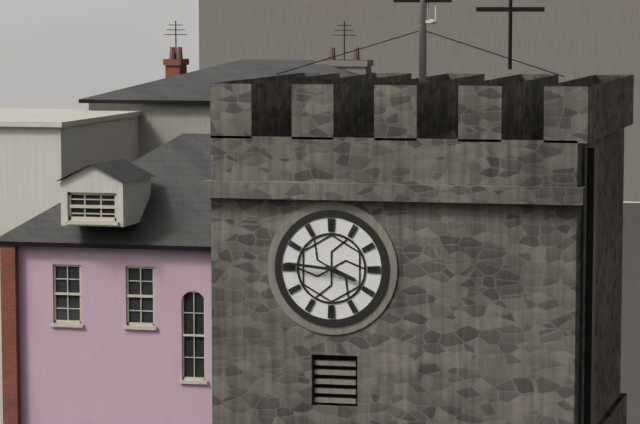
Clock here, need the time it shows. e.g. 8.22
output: 3.46
